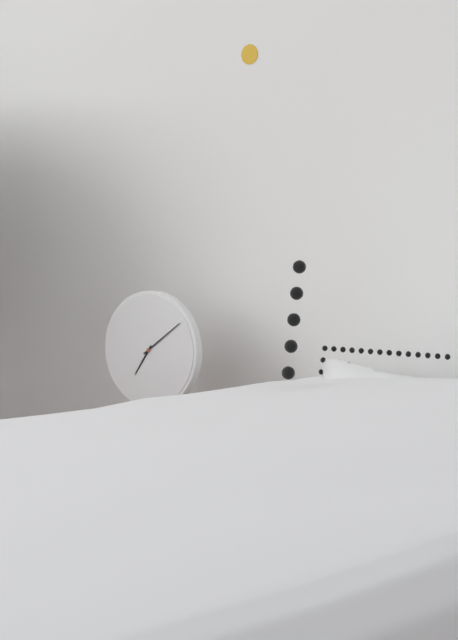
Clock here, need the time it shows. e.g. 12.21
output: 7.09
